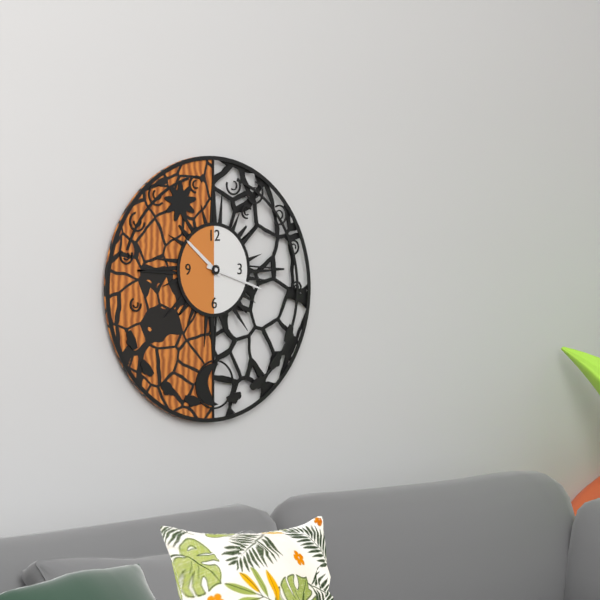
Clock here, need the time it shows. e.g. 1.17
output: 10.18
